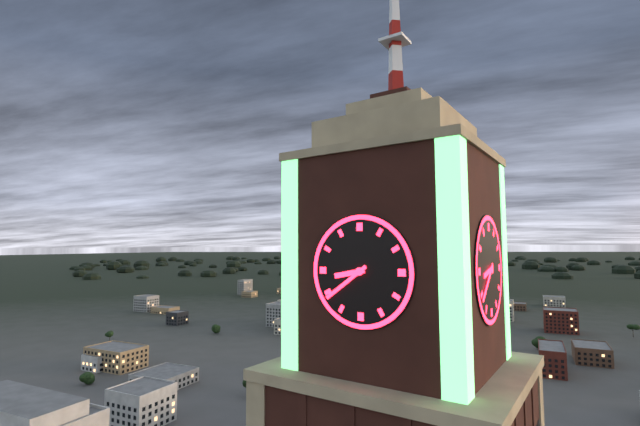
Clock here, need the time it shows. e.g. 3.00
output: 8.39
